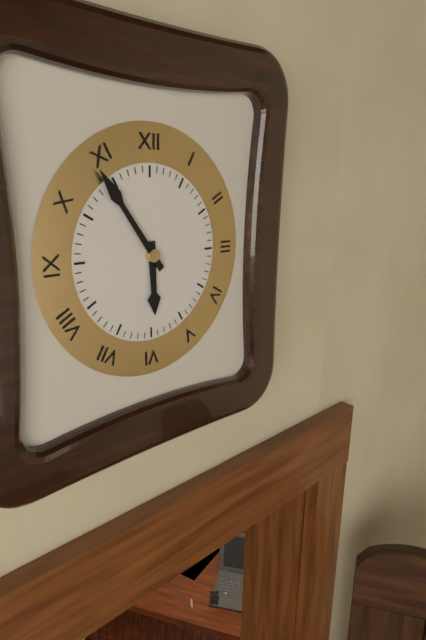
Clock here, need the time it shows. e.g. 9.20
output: 5.54
